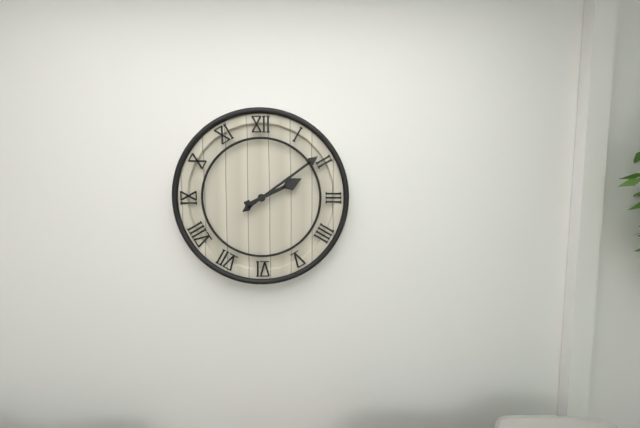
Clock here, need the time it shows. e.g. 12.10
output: 2.09
